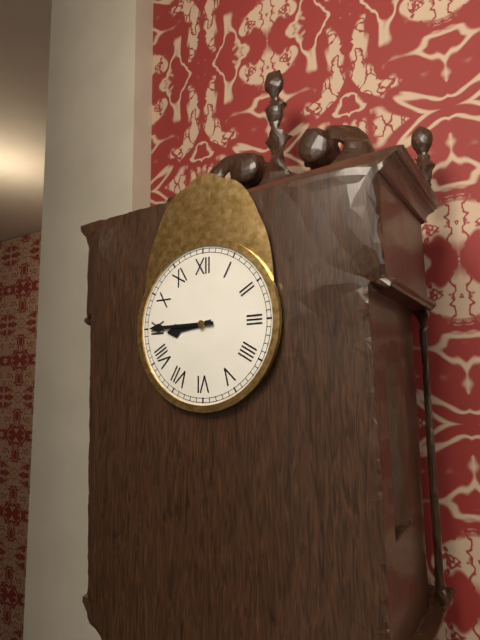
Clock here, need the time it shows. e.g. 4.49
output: 8.45
